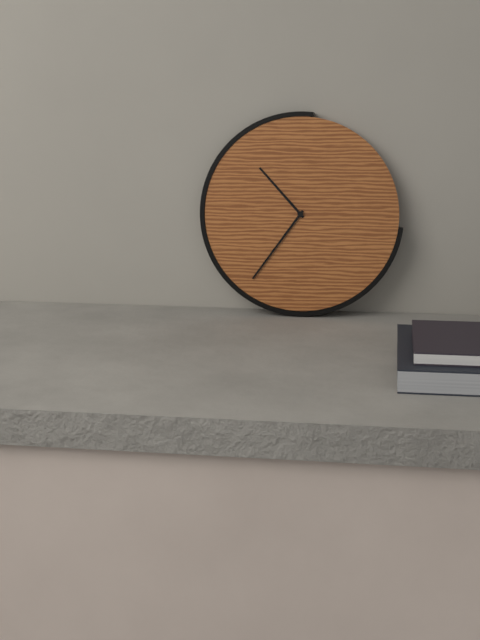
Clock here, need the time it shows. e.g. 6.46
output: 10.36
